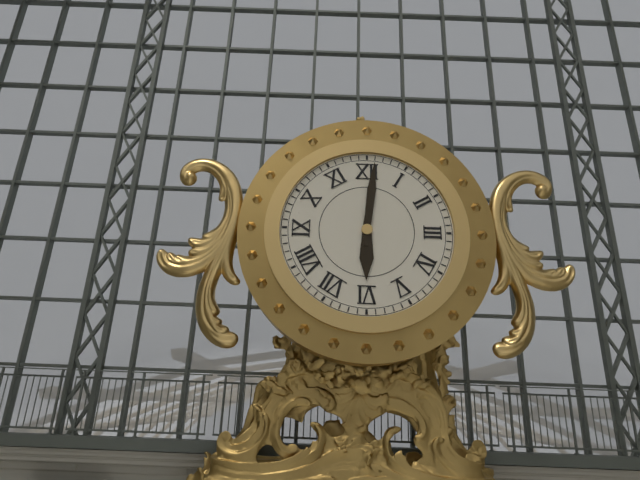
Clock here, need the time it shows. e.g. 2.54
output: 6.01
